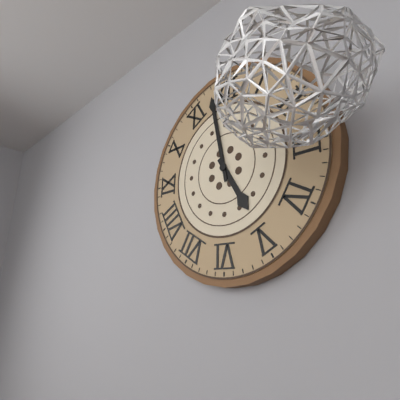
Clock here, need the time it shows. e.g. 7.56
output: 4.58
